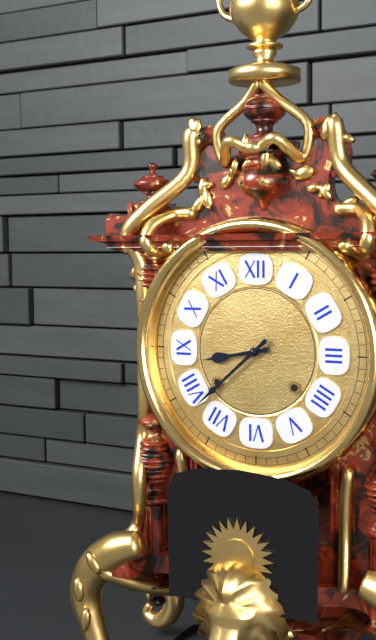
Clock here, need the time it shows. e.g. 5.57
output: 8.38
